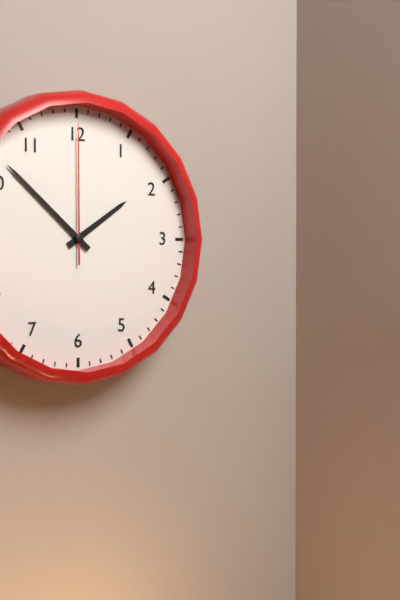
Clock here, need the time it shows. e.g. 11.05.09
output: 1.52.00
